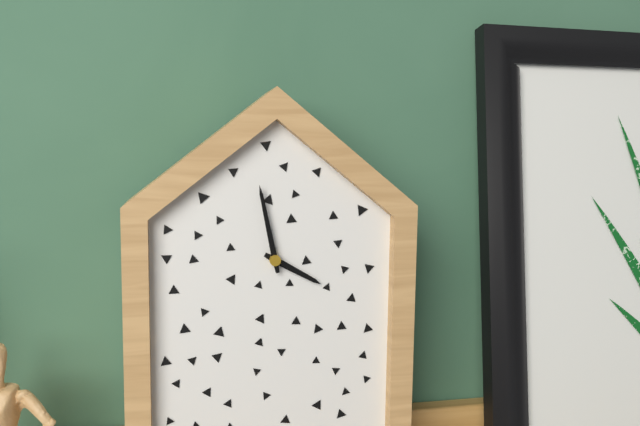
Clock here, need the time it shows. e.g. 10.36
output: 3.58
